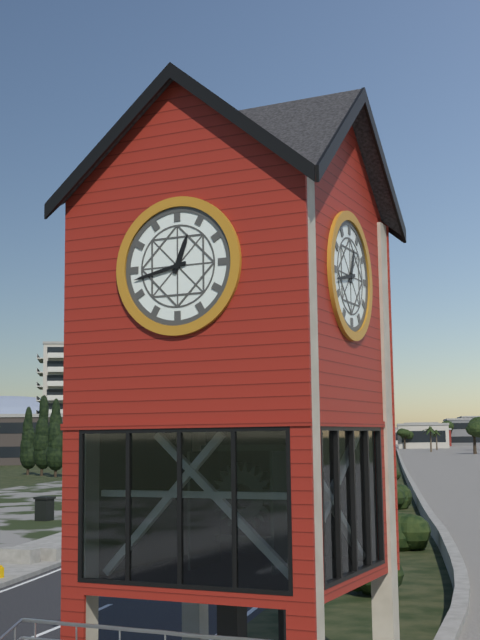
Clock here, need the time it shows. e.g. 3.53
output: 12.43
